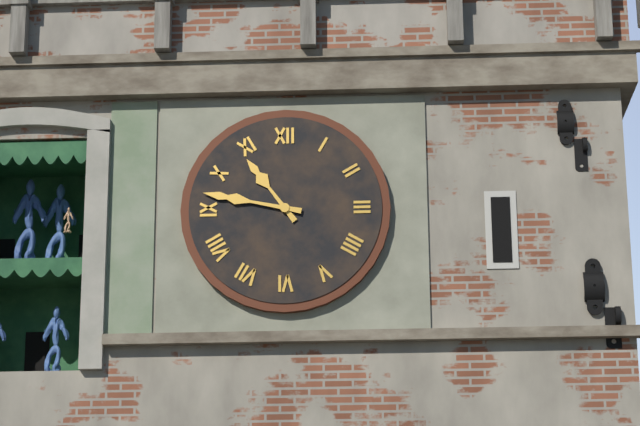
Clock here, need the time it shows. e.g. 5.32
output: 10.47
